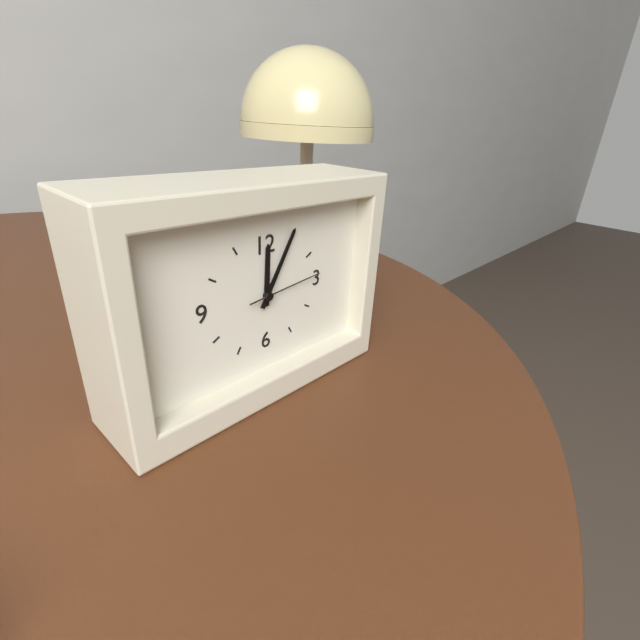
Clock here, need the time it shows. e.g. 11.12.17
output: 12.05.14
